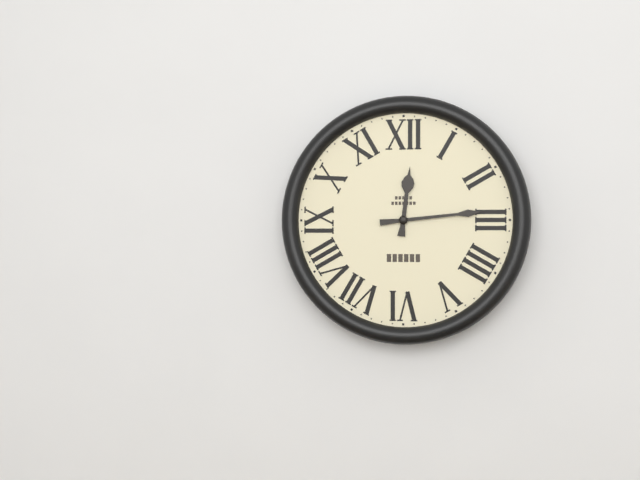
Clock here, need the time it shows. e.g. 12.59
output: 12.14
